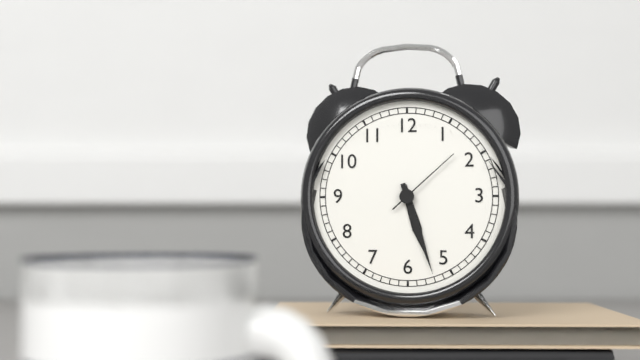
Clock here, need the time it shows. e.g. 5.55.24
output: 5.27.08
